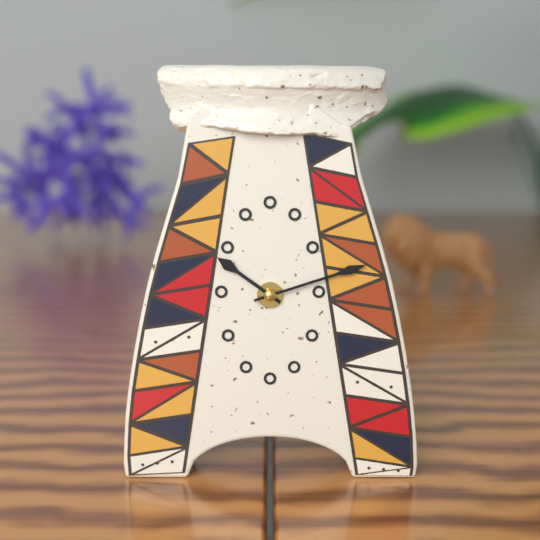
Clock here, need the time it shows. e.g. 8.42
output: 10.12
